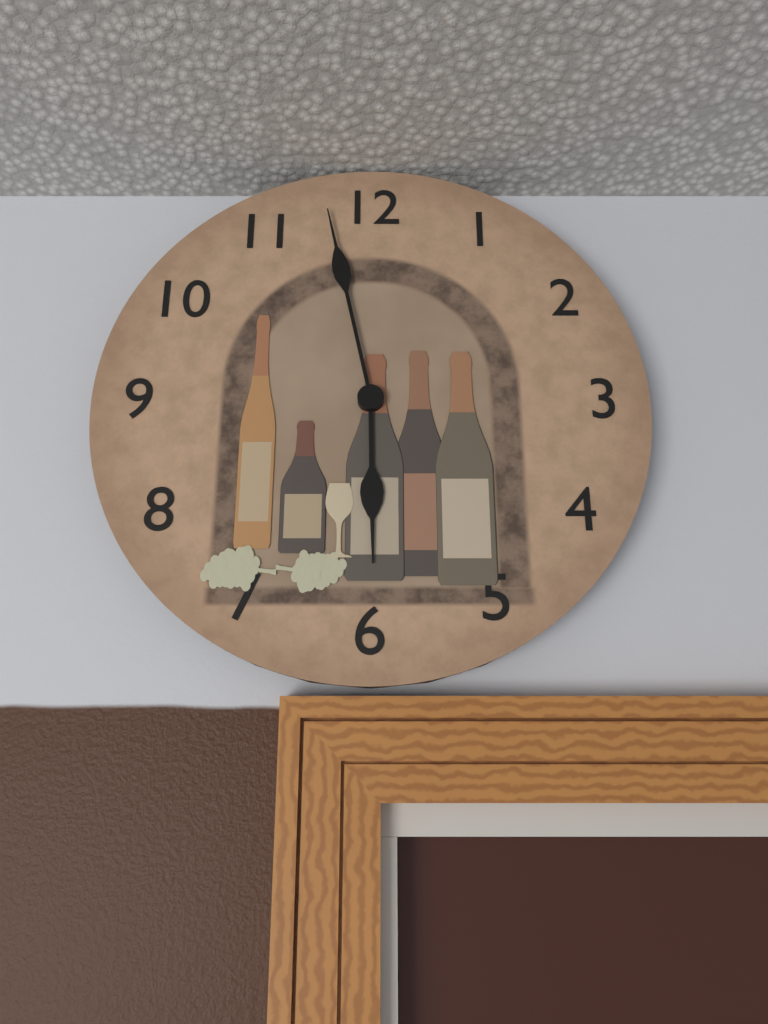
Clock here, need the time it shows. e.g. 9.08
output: 5.58
